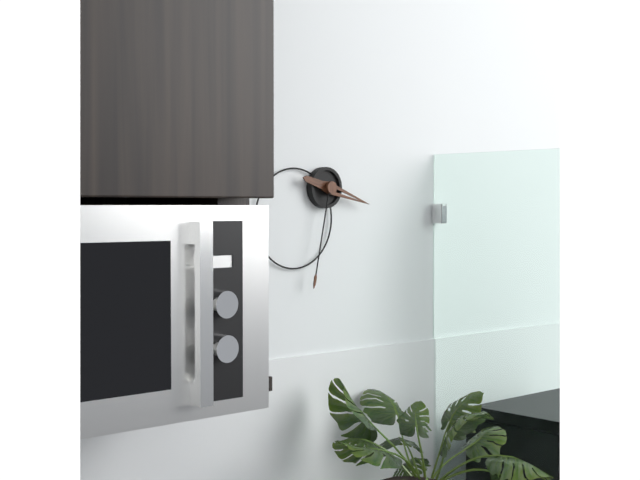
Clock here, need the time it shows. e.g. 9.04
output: 3.32
